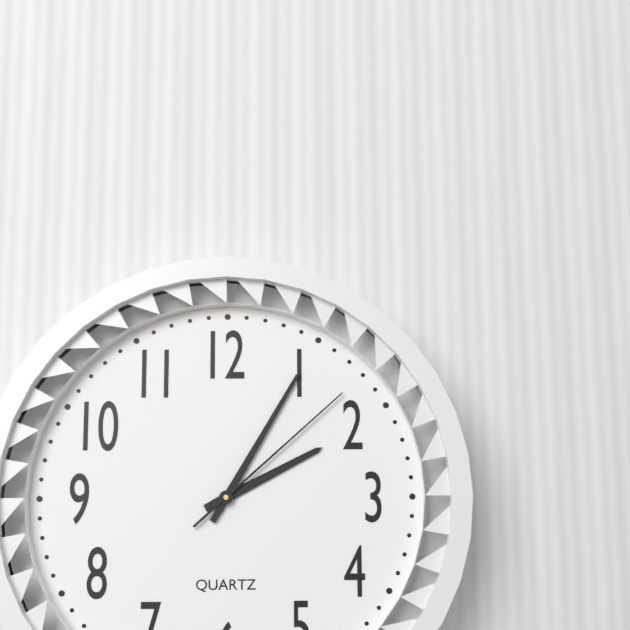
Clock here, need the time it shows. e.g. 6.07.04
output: 2.05.08
